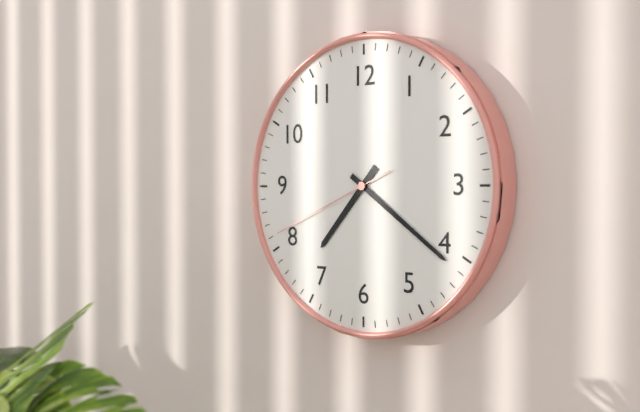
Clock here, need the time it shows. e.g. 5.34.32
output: 7.21.41
